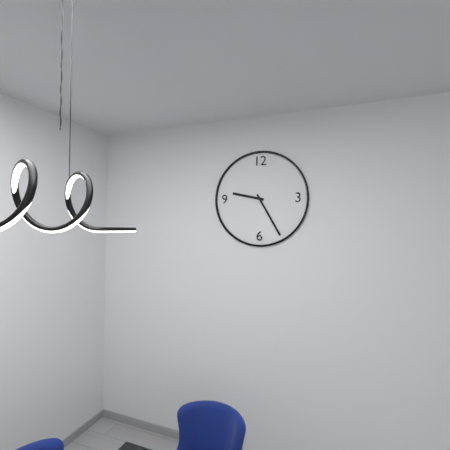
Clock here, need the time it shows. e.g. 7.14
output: 9.25
